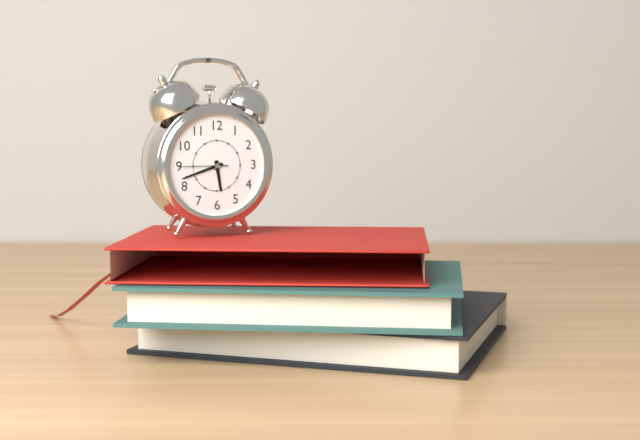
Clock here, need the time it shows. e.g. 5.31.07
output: 5.42.45
